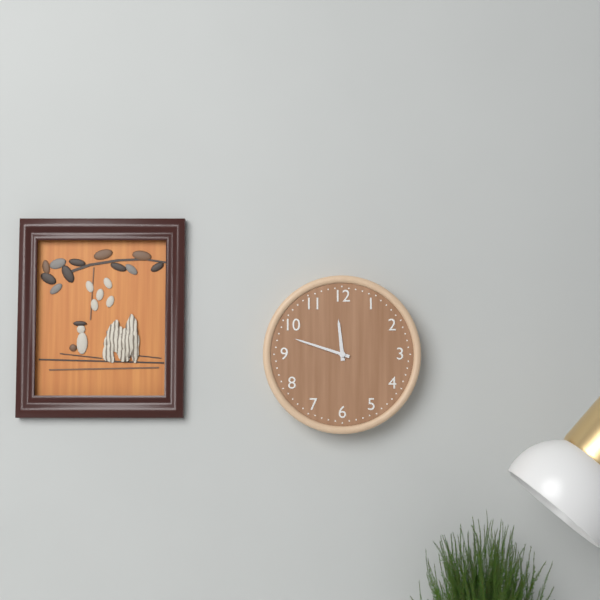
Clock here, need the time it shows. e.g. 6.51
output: 11.48
